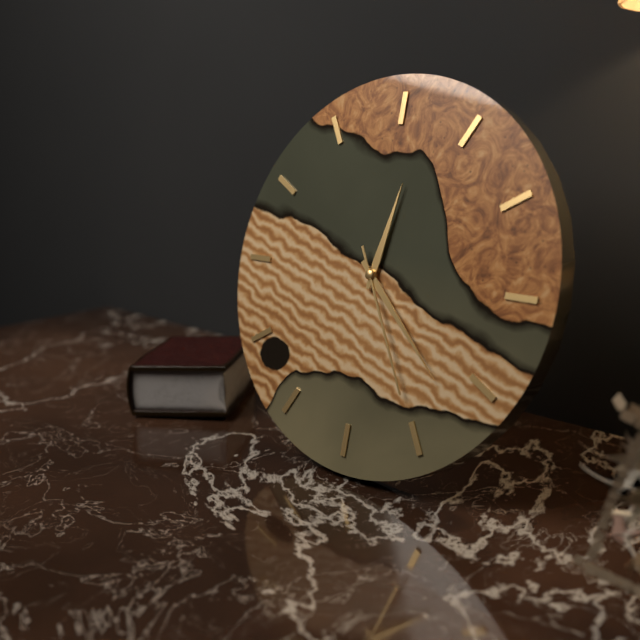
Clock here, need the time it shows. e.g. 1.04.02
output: 12.22.25
